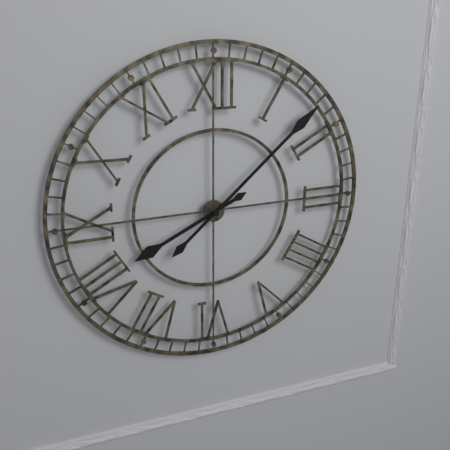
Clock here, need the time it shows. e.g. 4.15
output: 8.08
